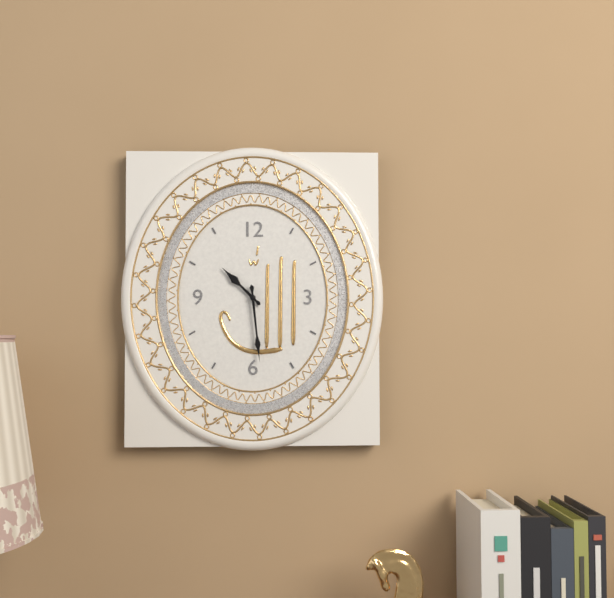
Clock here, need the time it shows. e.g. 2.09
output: 10.29
